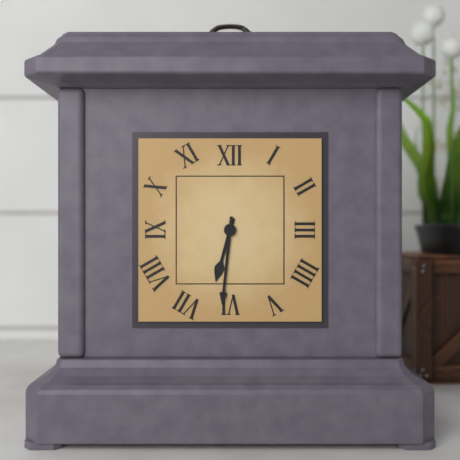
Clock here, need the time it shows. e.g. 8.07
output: 6.31
